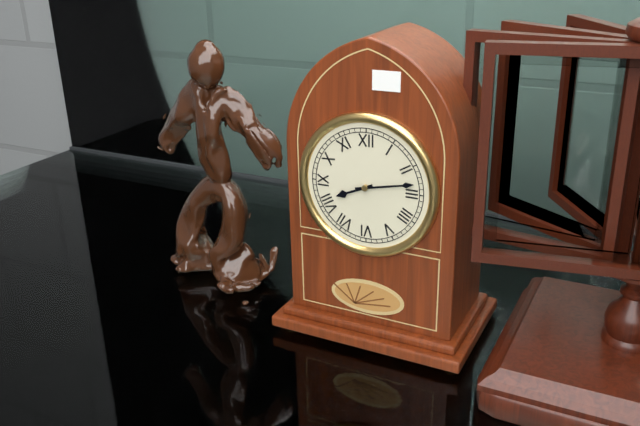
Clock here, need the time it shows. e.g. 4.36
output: 8.13
